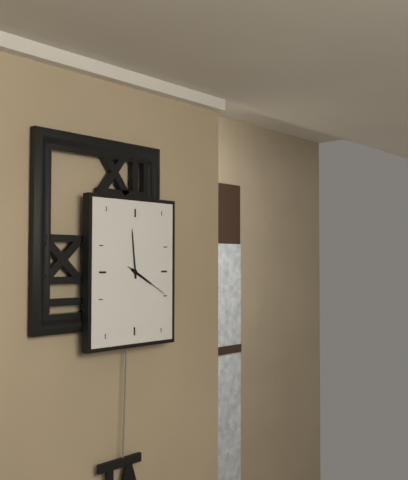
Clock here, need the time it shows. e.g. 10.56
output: 3.59
